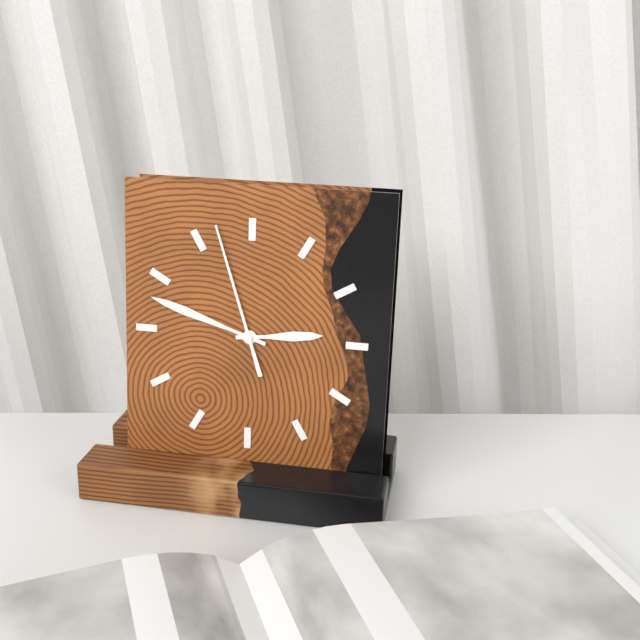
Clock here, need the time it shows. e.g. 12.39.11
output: 2.48.57
